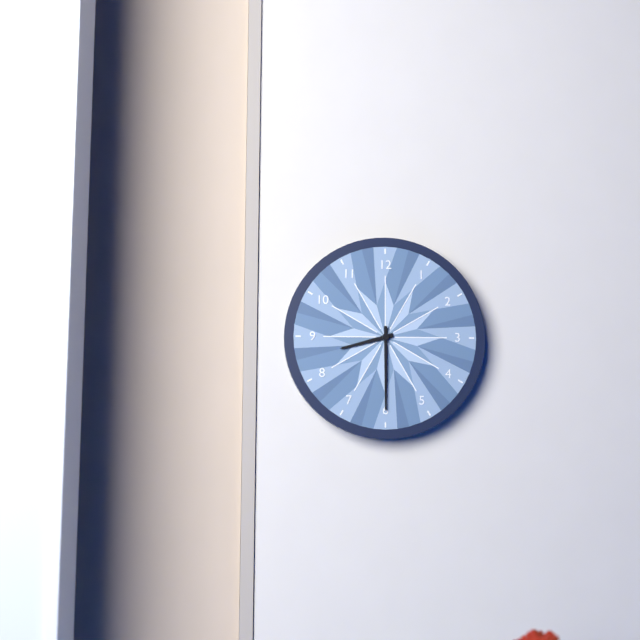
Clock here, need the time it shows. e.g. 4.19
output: 8.30
